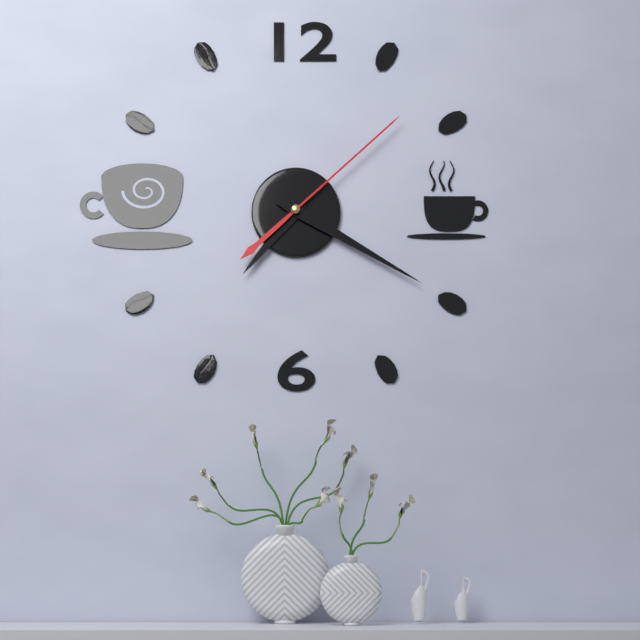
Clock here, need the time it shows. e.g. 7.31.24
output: 7.20.08
